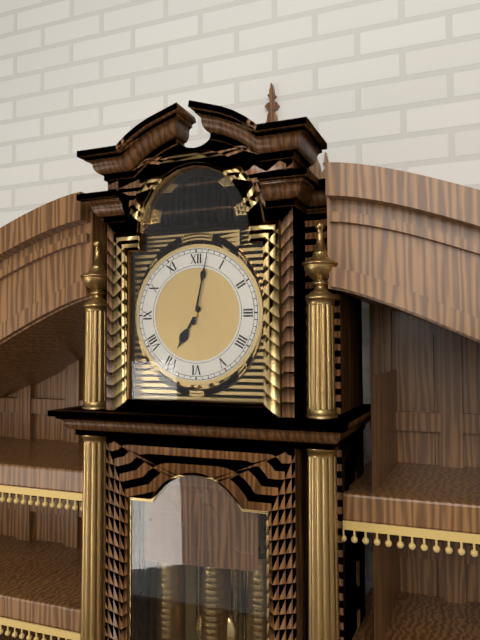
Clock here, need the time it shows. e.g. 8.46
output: 7.02
